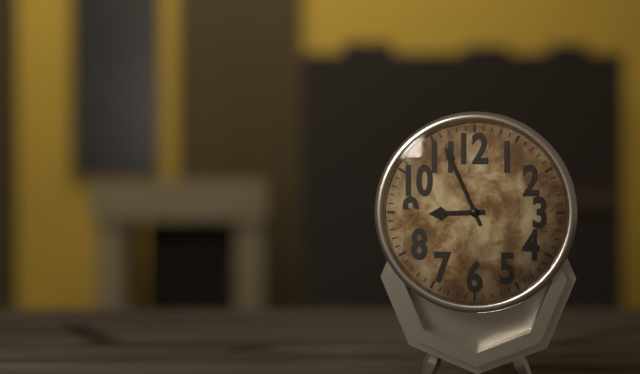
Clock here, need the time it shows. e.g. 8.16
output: 8.56
